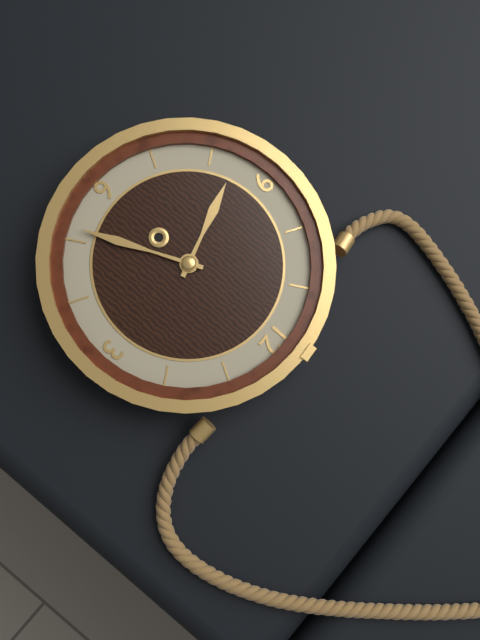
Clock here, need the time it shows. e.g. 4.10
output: 8.26
